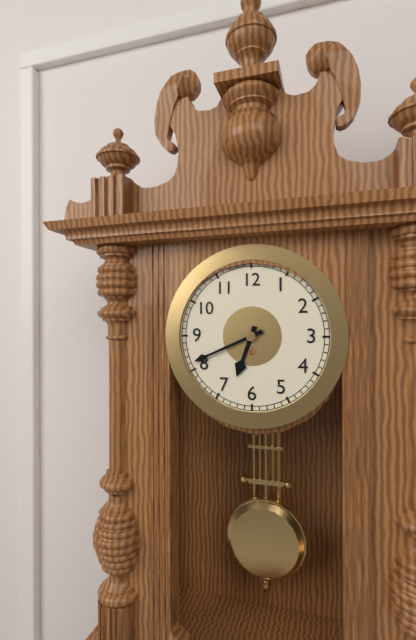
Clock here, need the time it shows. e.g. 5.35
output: 6.41
